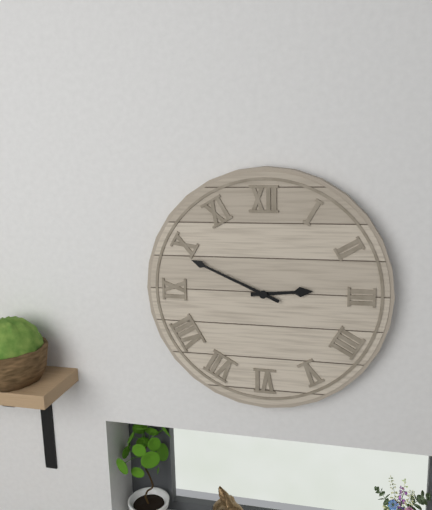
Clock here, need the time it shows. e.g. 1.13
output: 2.49
